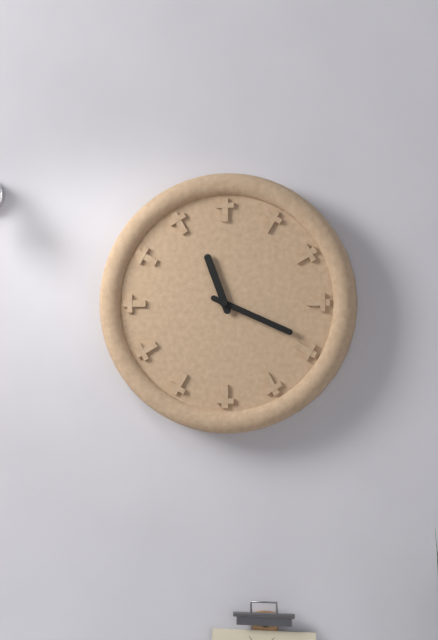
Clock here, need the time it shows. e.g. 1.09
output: 11.19
